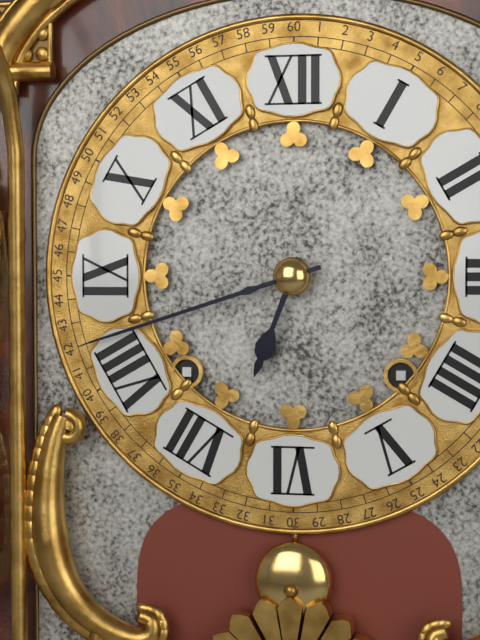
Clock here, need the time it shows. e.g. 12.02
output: 6.42
